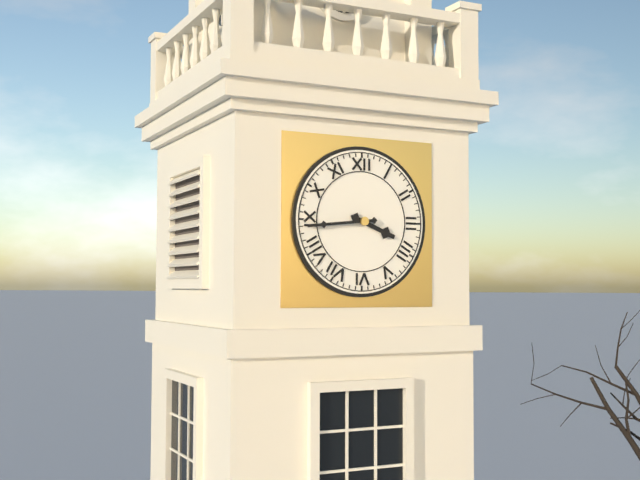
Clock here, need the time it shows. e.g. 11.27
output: 3.44
